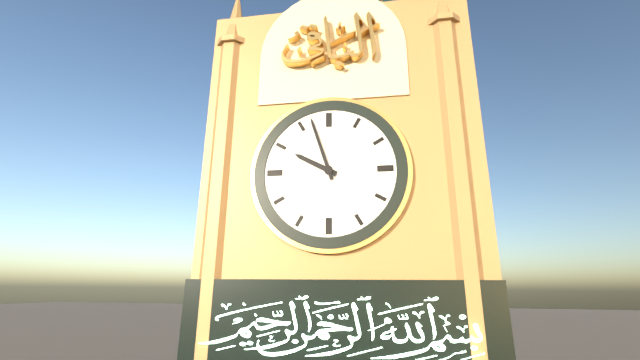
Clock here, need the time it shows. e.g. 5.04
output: 9.57
